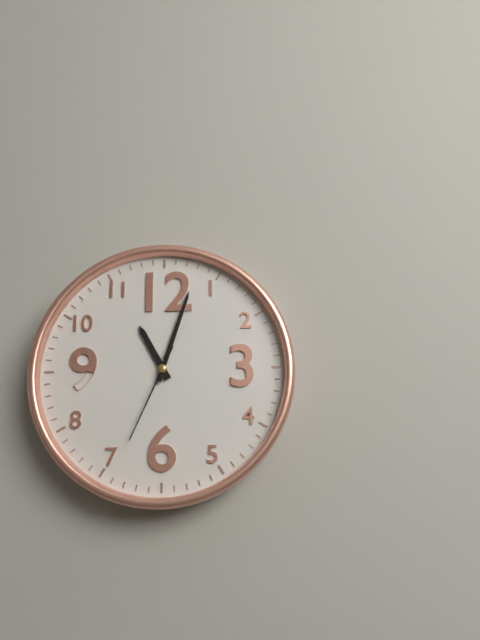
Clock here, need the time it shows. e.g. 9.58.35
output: 11.03.34
